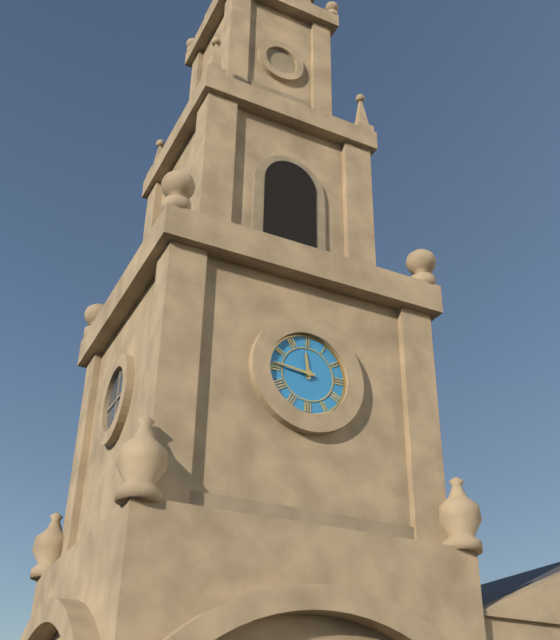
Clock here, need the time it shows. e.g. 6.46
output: 11.46
